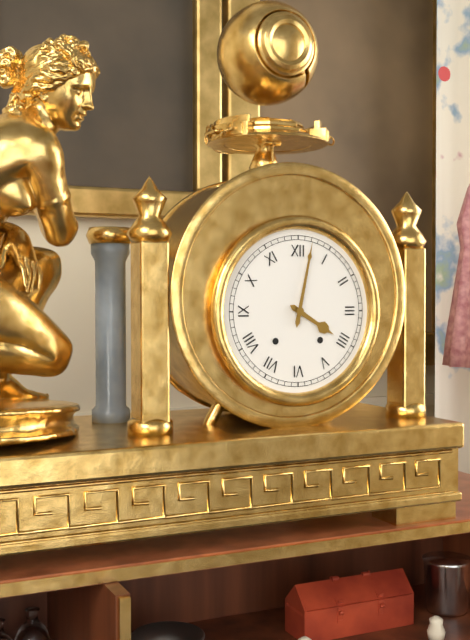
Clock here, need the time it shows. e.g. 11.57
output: 4.02
